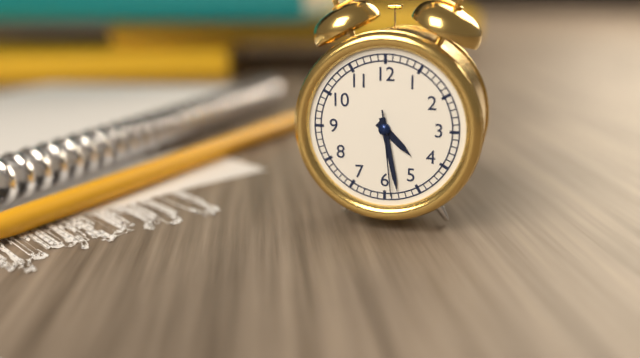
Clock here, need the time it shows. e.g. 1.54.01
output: 4.28.29
